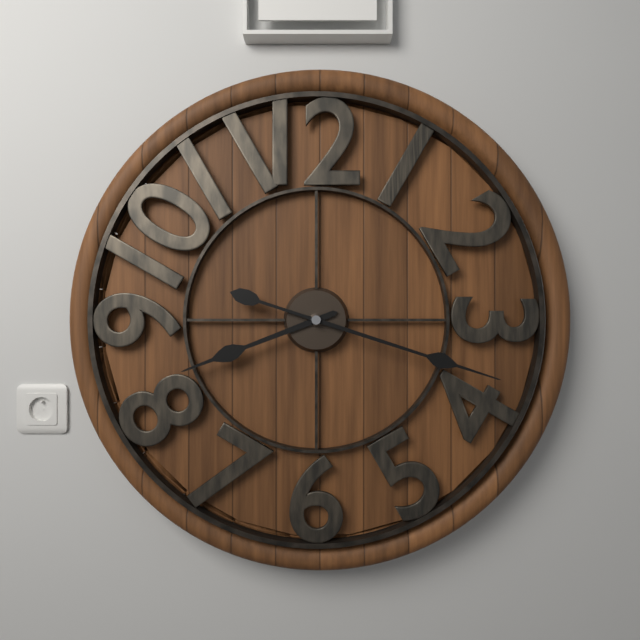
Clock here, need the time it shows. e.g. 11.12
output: 8.18
